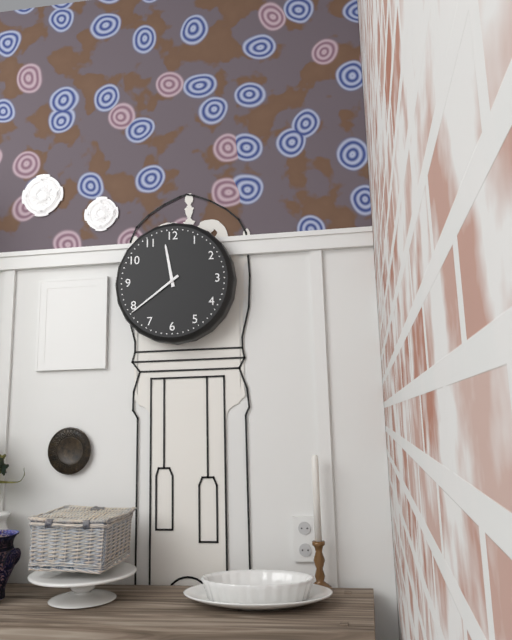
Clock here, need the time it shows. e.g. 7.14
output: 11.39
